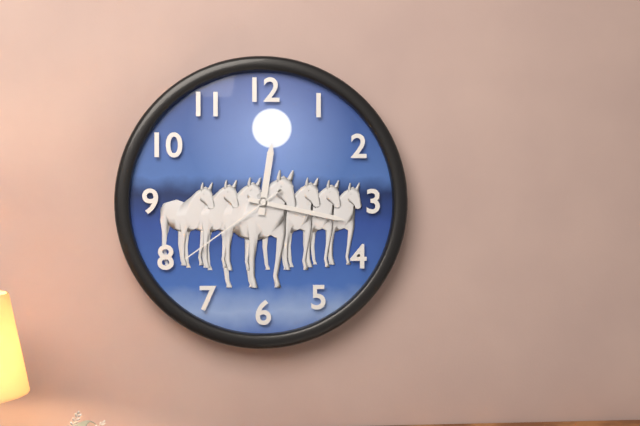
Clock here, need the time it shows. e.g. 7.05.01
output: 12.17.39
